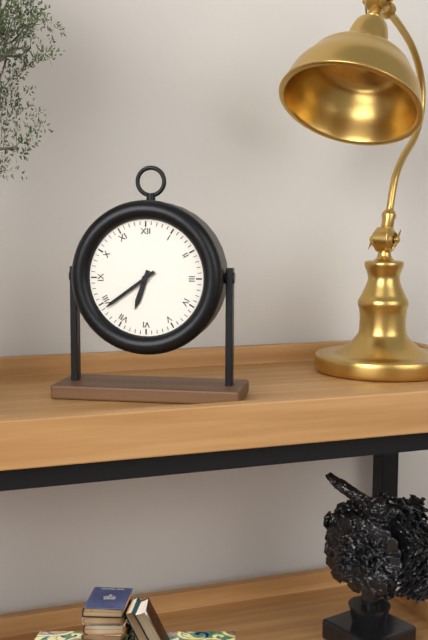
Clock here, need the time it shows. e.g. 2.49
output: 6.39
